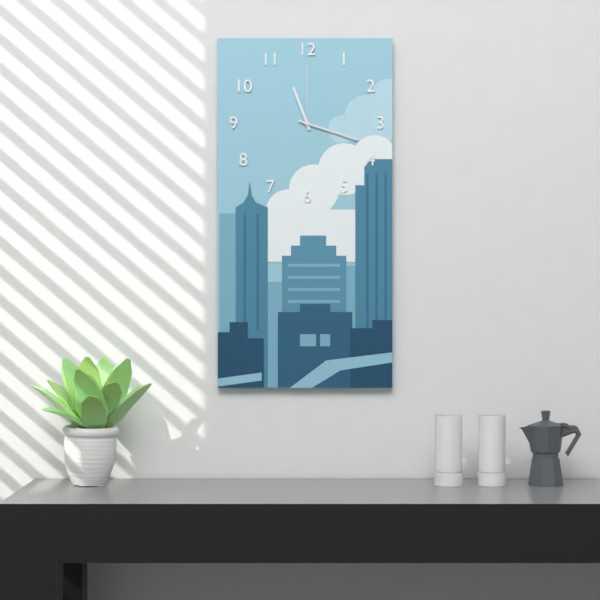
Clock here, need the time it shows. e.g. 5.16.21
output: 11.18.00
